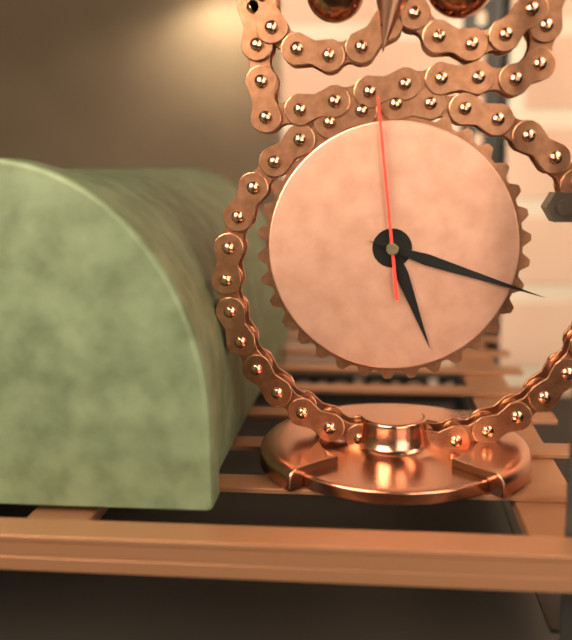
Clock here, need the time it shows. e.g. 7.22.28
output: 5.18.59
